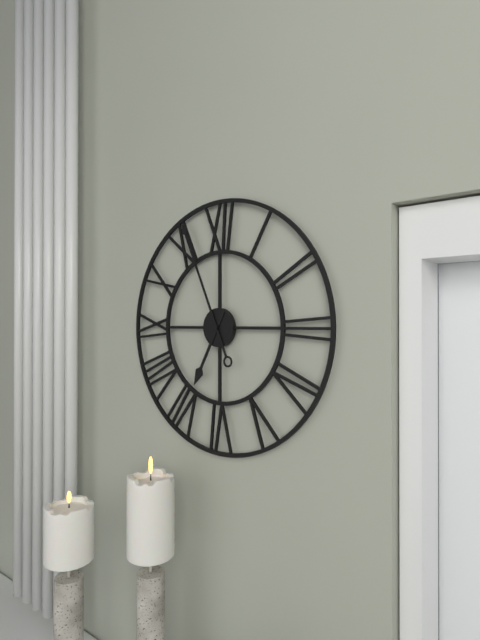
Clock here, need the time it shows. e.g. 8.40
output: 6.56
